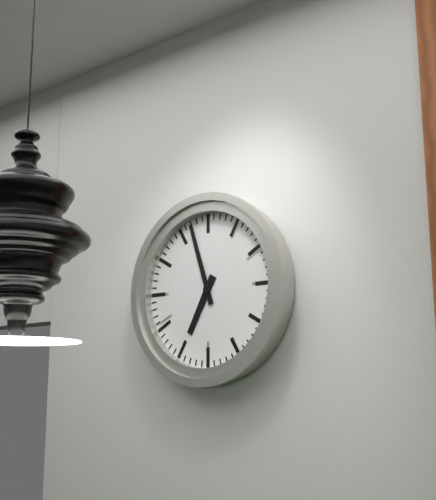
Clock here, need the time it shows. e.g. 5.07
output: 6.57
